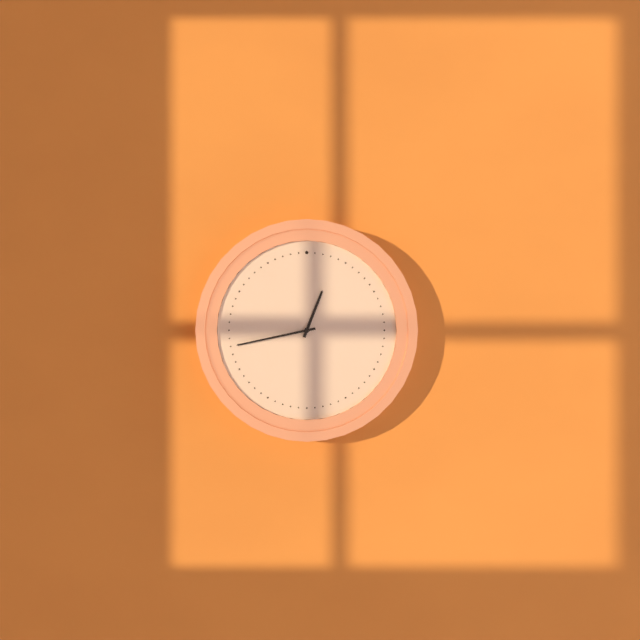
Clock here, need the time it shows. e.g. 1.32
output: 12.43
